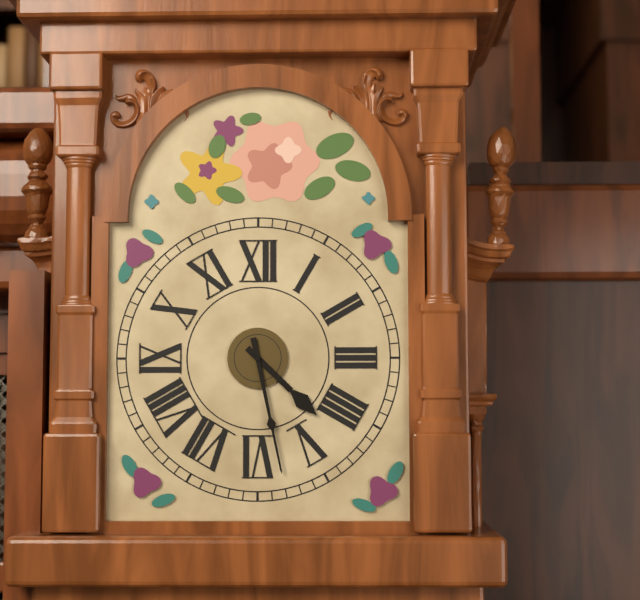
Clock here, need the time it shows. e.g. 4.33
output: 4.28
